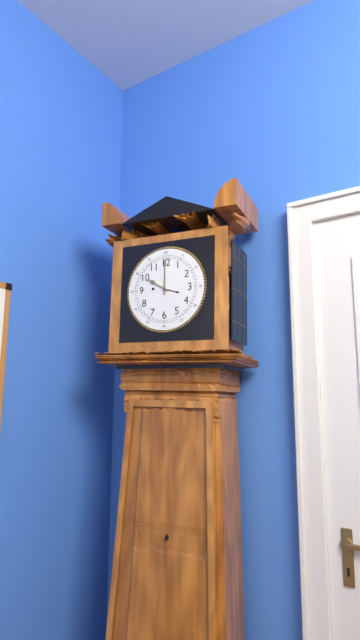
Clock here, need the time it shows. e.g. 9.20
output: 10.00
